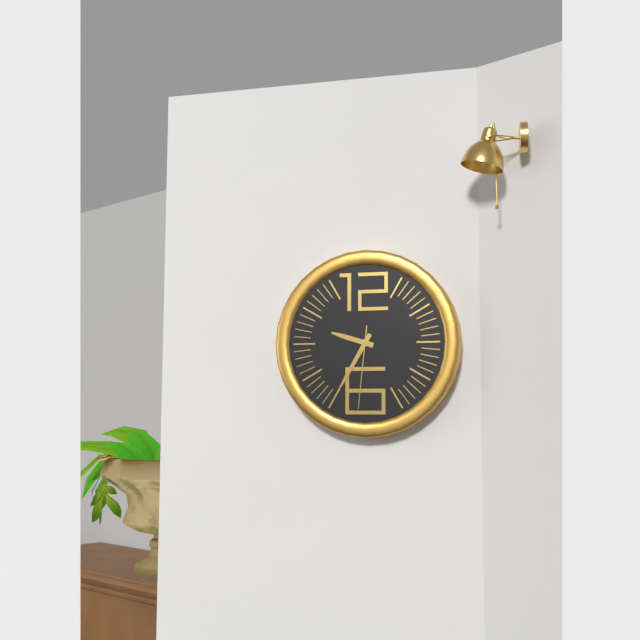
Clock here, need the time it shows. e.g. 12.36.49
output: 9.35.31
